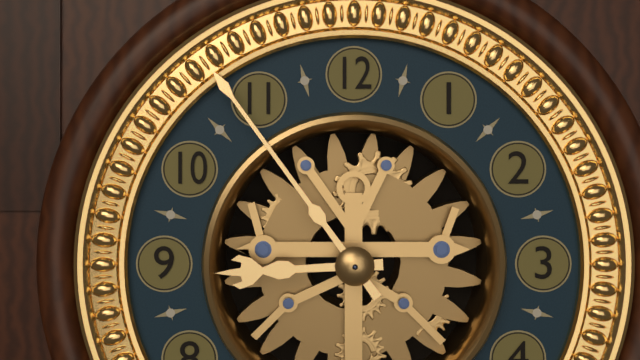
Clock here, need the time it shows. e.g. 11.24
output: 8.54
